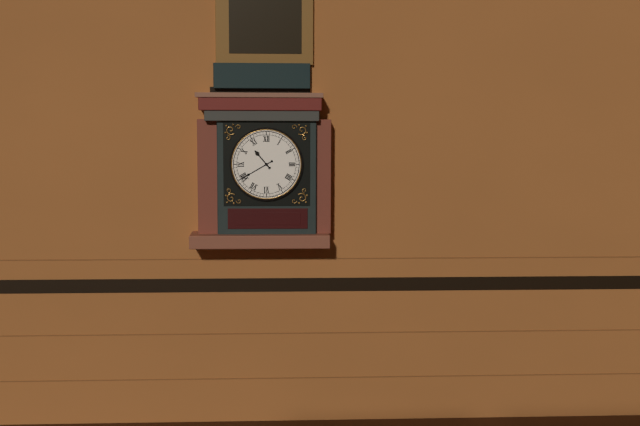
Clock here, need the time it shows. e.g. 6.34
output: 10.40
